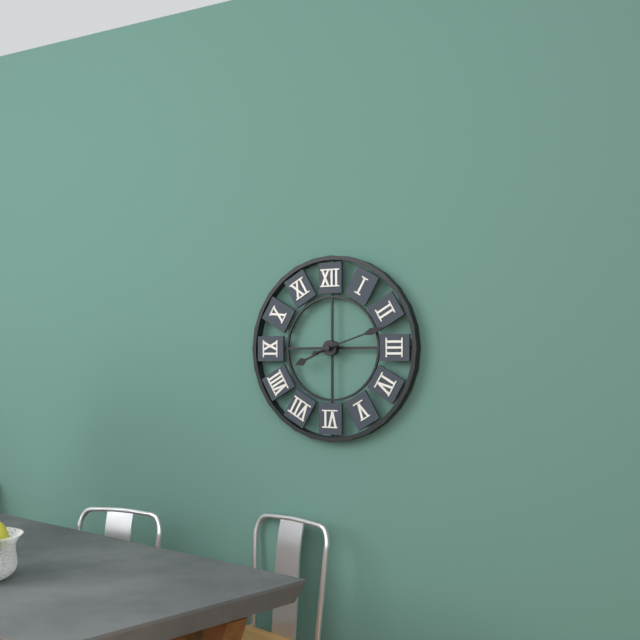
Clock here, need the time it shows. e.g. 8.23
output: 8.12
